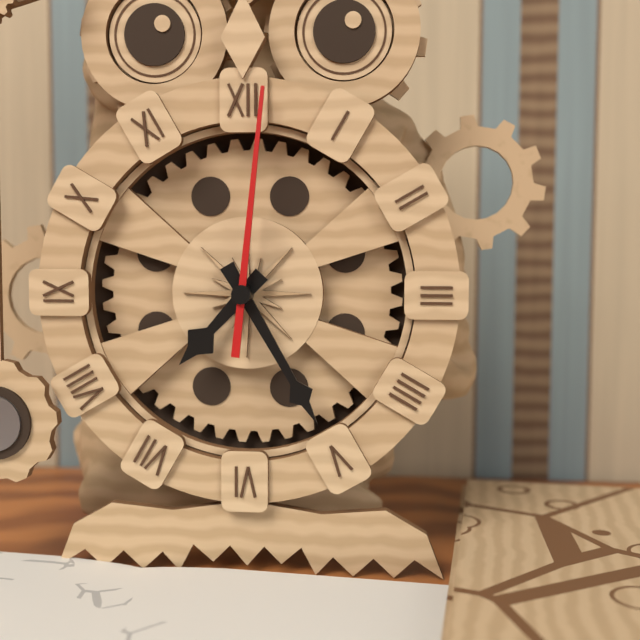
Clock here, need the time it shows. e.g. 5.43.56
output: 7.25.01
